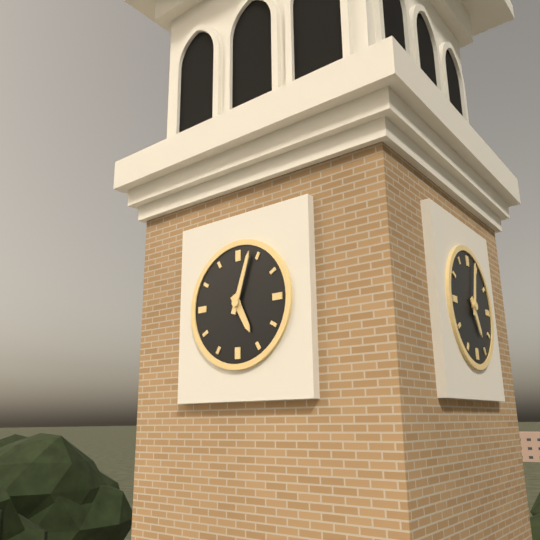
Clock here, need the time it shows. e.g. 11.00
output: 5.03
